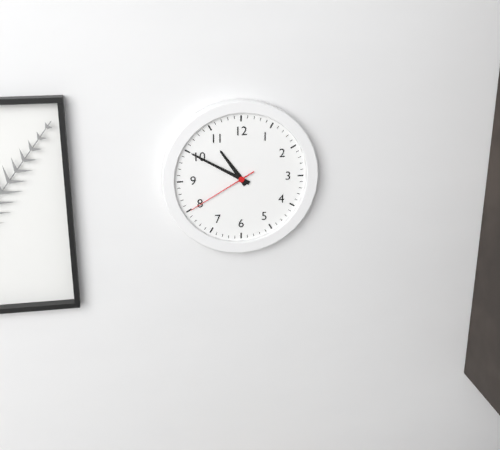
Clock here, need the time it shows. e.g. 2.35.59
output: 10.50.40
